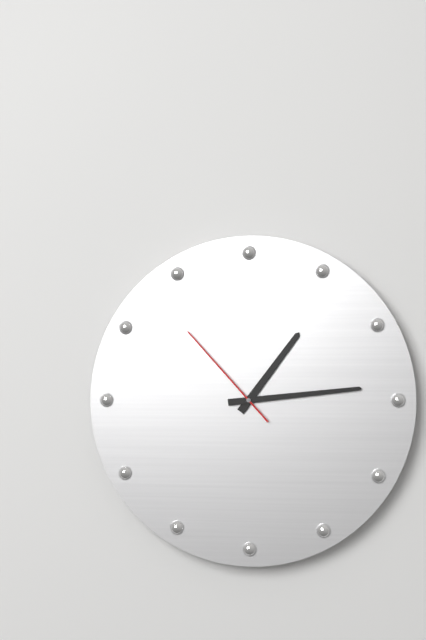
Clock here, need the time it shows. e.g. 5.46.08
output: 1.14.53
